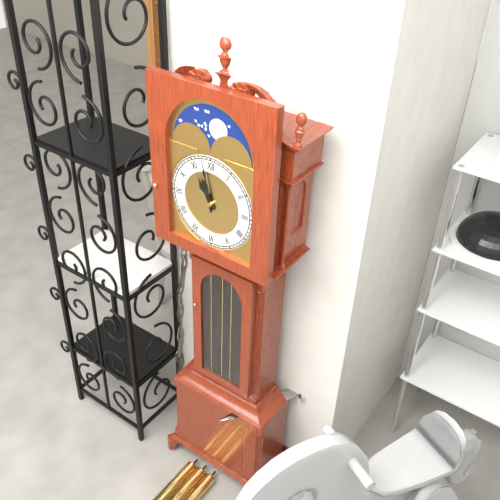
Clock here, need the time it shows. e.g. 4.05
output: 10.58
